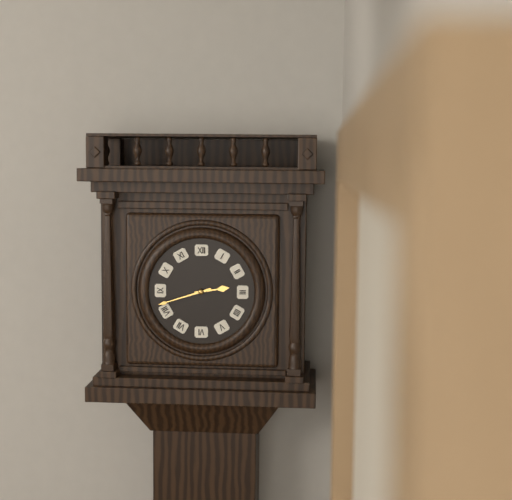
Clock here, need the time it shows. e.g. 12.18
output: 2.42
